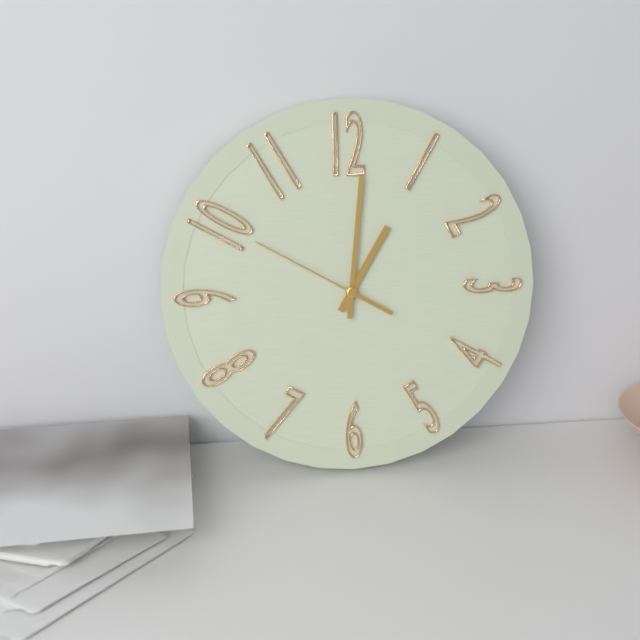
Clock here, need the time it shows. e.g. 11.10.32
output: 1.01.50
